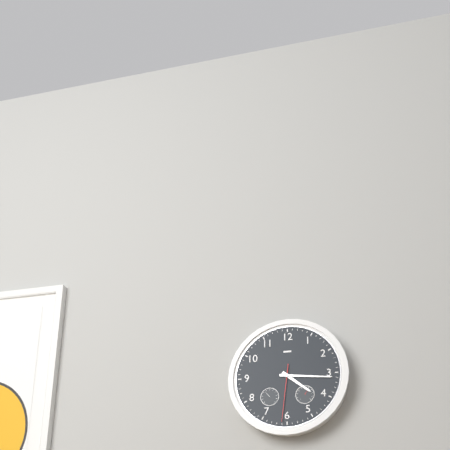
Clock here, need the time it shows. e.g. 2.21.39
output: 4.16.31
